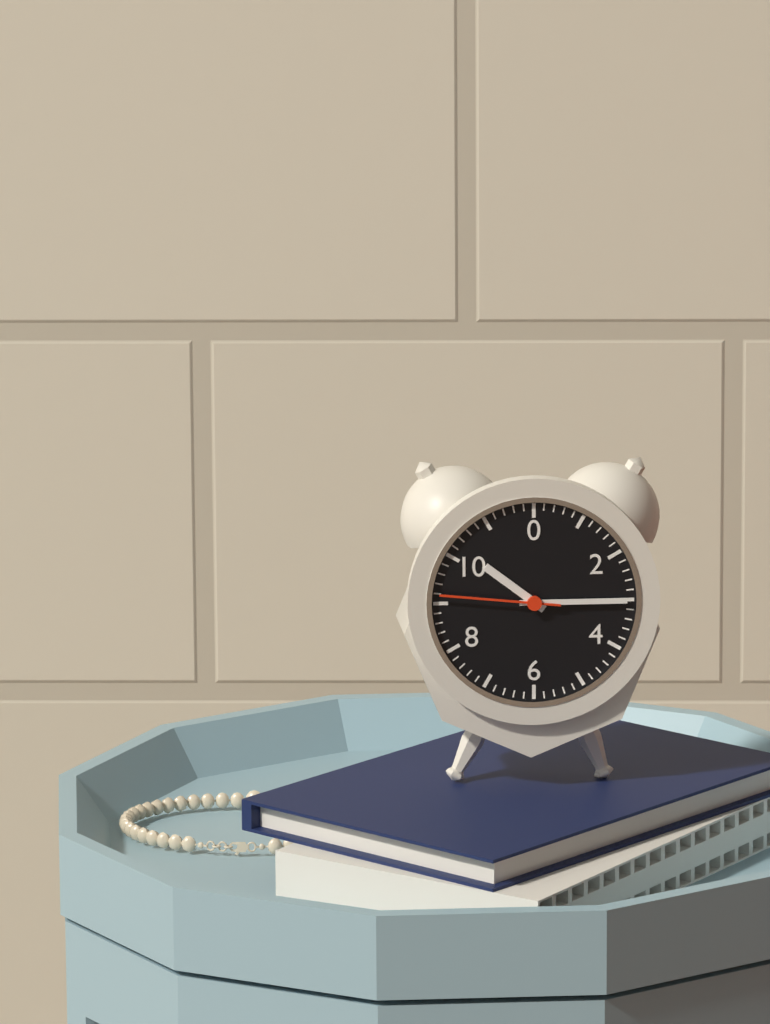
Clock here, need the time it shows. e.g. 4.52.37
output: 10.15.46
